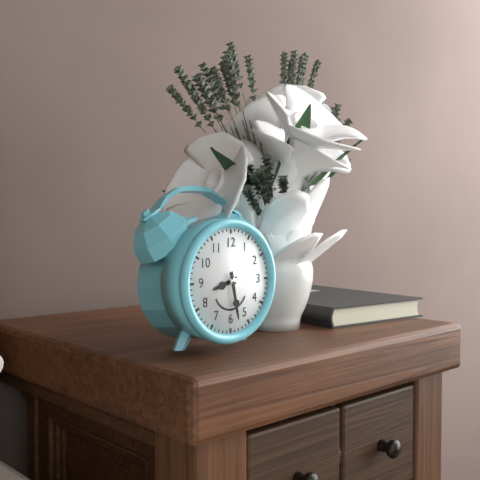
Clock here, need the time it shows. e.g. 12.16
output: 8.28
